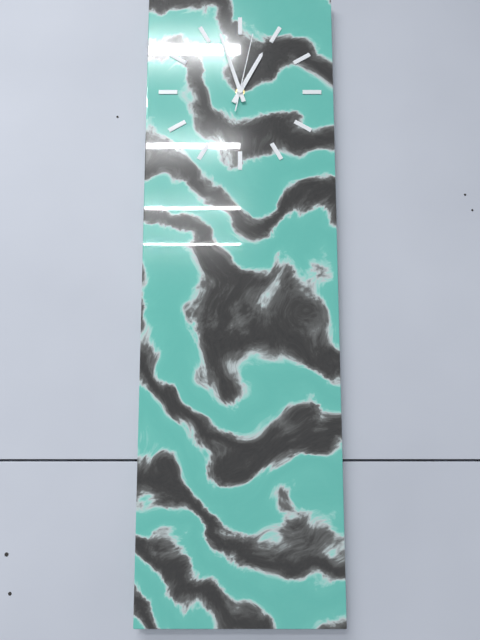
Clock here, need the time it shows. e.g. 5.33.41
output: 12.57.02
